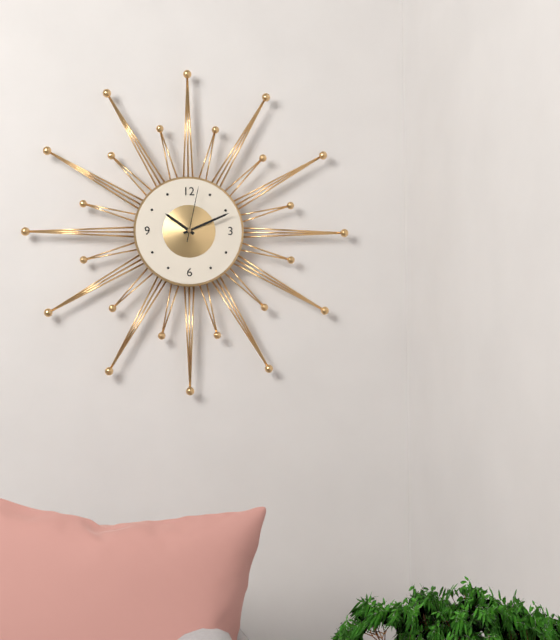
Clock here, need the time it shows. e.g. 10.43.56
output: 10.11.02
